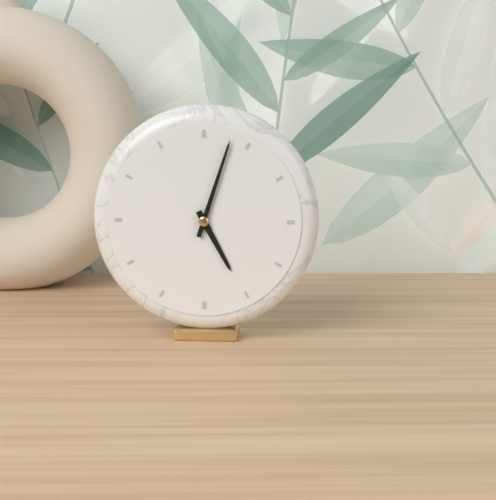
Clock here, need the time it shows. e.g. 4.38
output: 5.03
